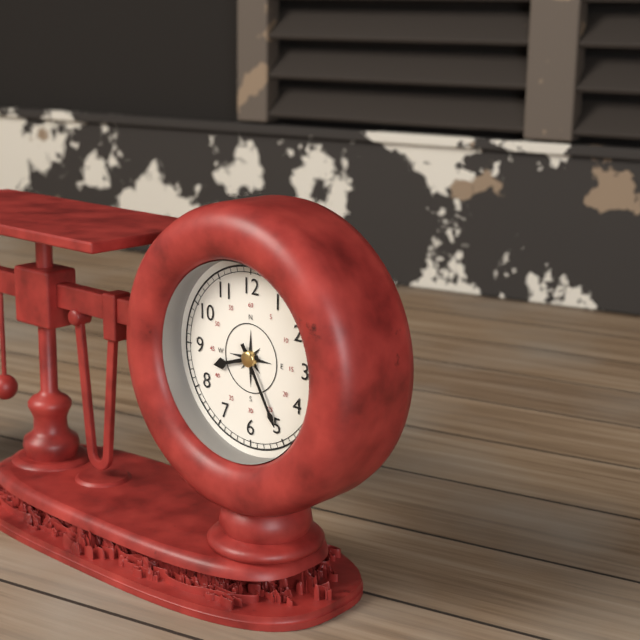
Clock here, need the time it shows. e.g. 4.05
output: 8.25
